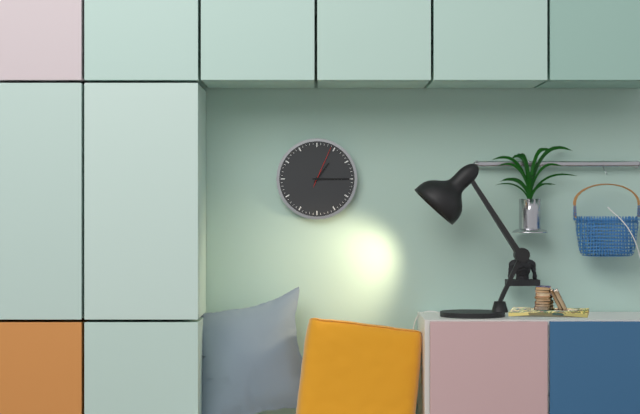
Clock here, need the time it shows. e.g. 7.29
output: 1.15
